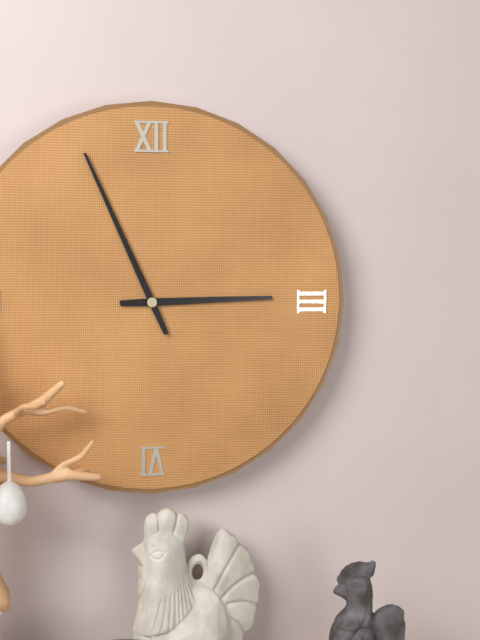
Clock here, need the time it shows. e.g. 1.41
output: 2.56
